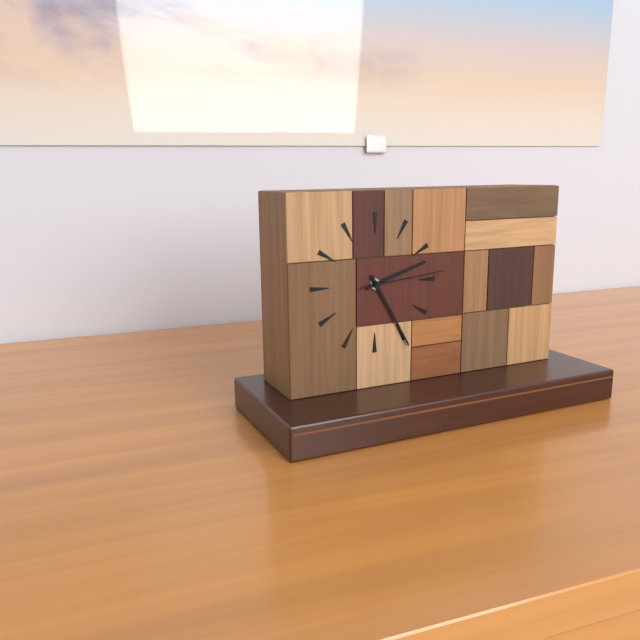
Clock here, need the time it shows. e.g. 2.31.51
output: 2.25.14
